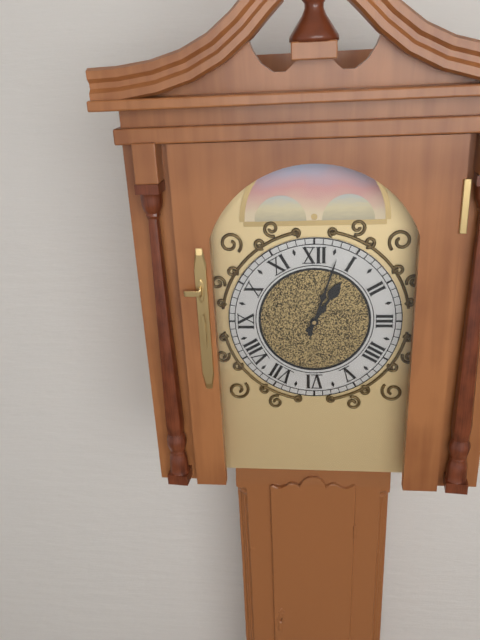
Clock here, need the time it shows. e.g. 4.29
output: 1.03
